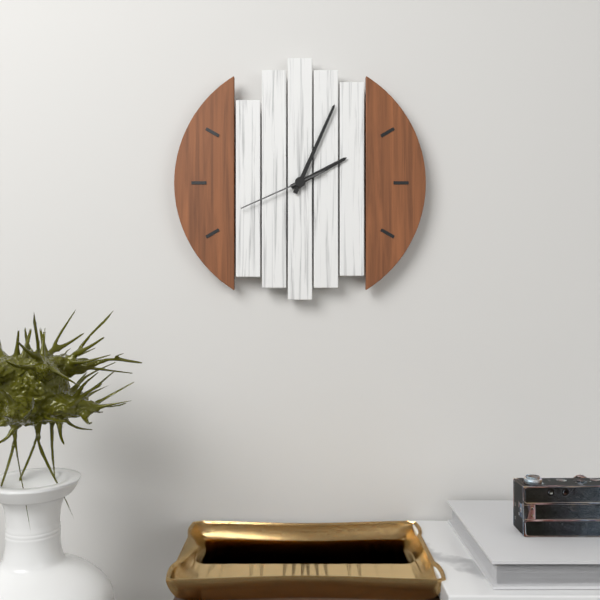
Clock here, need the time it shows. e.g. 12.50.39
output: 2.04.41
